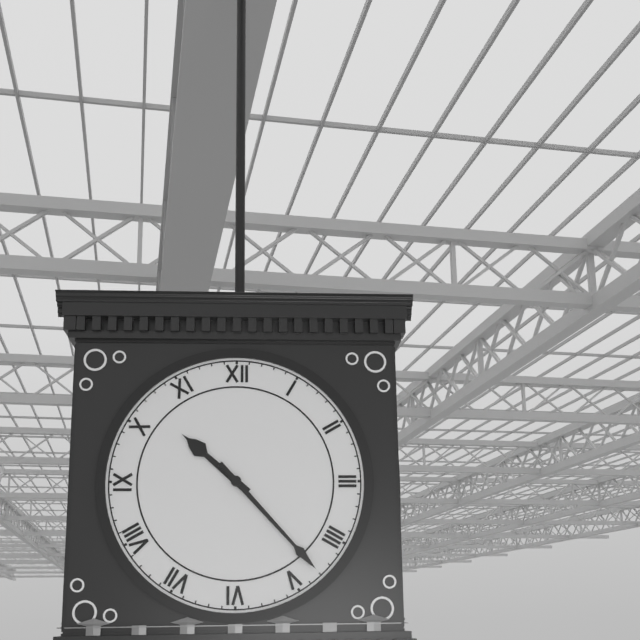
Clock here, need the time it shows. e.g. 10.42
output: 10.23
